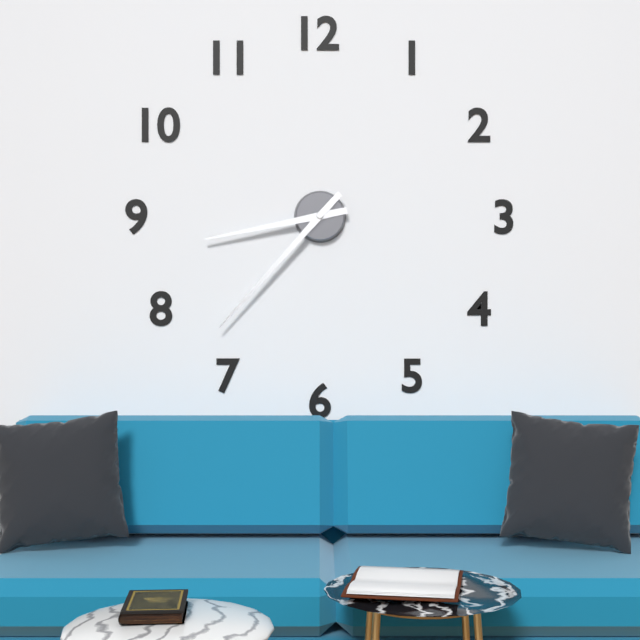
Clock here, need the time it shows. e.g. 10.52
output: 8.37
